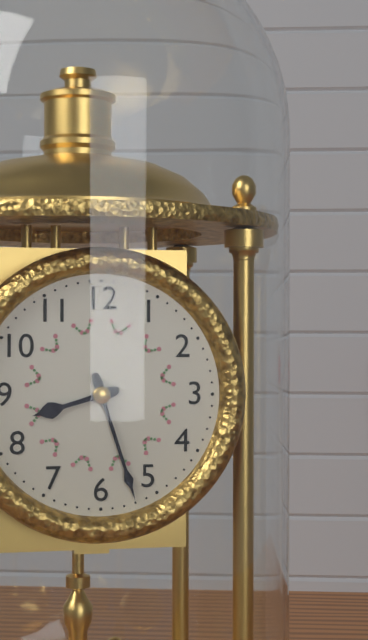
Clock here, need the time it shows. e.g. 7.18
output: 8.27
